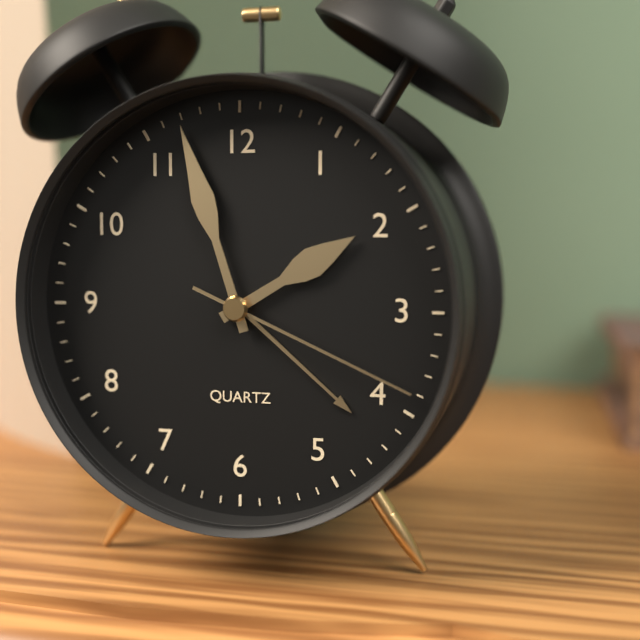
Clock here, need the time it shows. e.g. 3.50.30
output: 1.57.19
